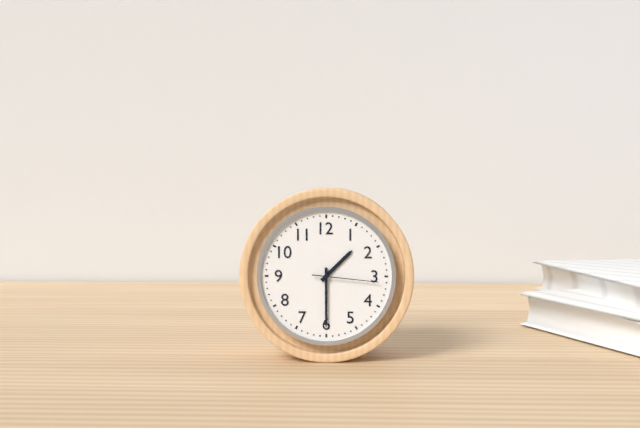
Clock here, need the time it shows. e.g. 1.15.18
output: 1.30.16
